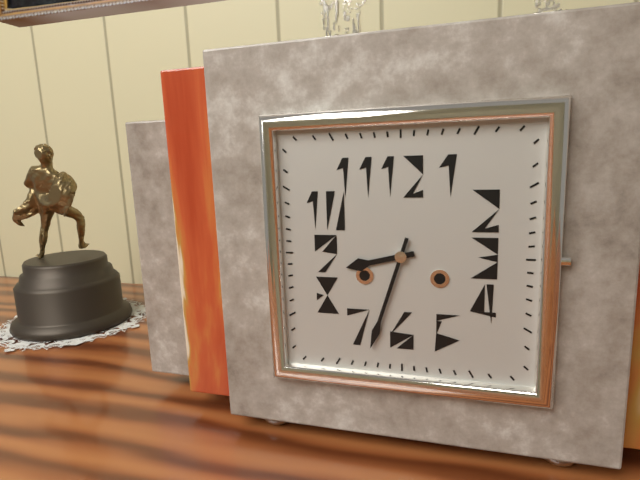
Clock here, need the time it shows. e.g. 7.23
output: 8.33
